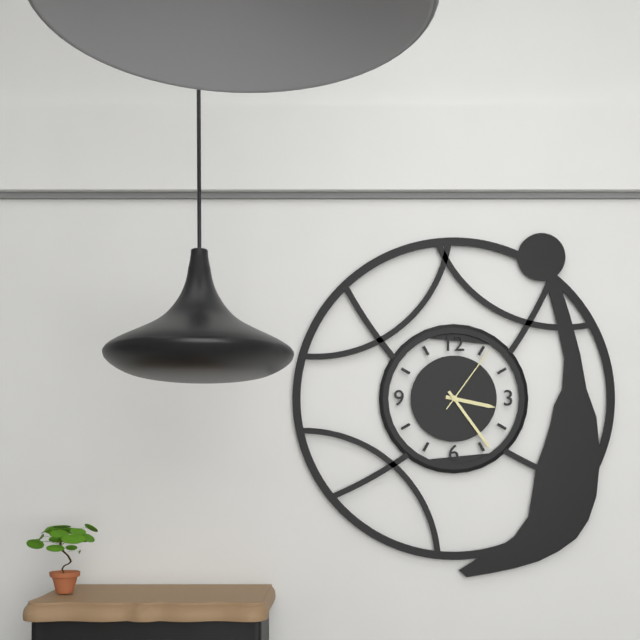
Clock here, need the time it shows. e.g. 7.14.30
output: 3.24.06
